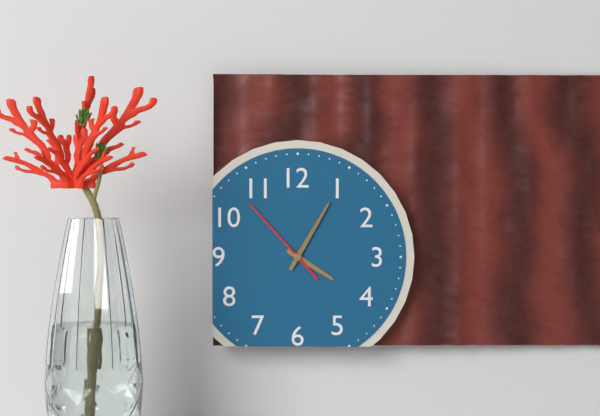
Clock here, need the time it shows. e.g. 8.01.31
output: 4.05.53
